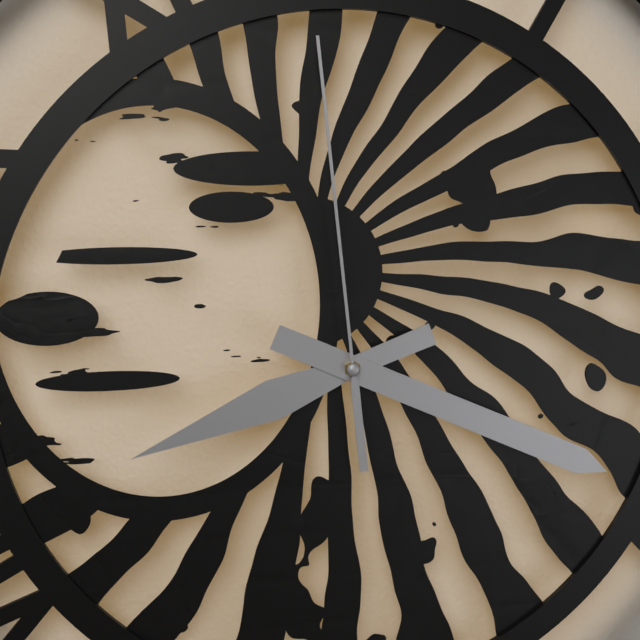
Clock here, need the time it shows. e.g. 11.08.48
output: 8.19.59
